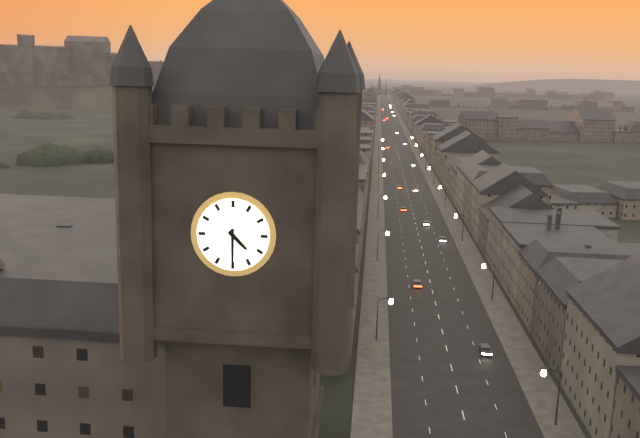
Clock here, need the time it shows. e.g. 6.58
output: 4.30
